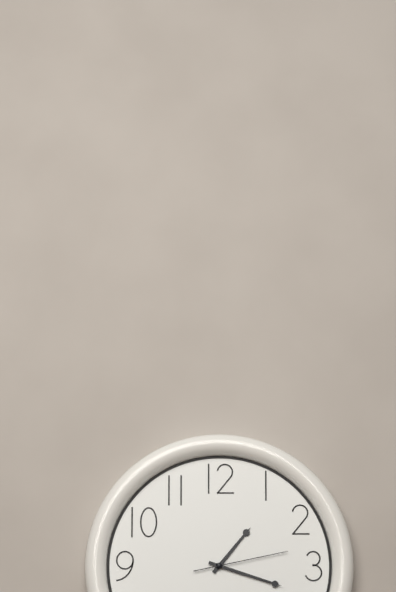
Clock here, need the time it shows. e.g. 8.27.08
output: 1.18.13
